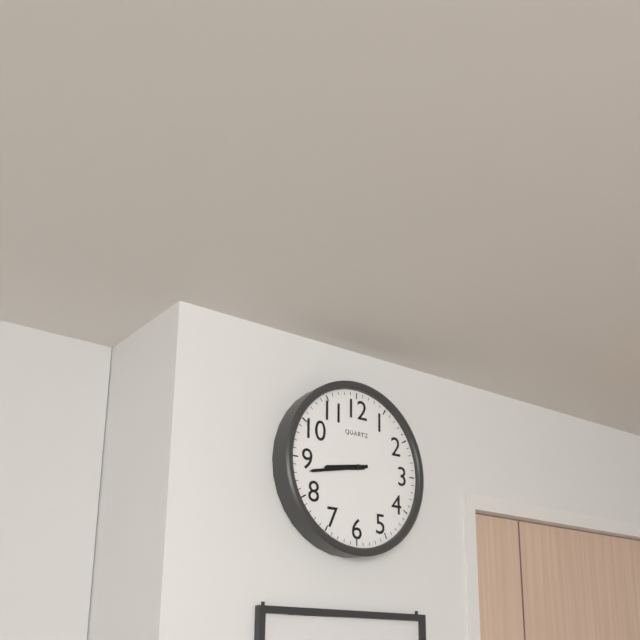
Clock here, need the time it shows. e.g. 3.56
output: 8.43
